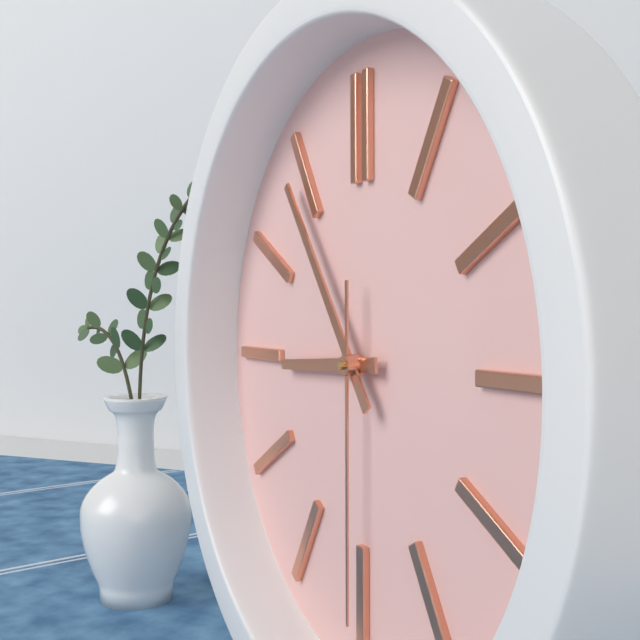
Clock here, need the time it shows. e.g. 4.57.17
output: 8.54.30
